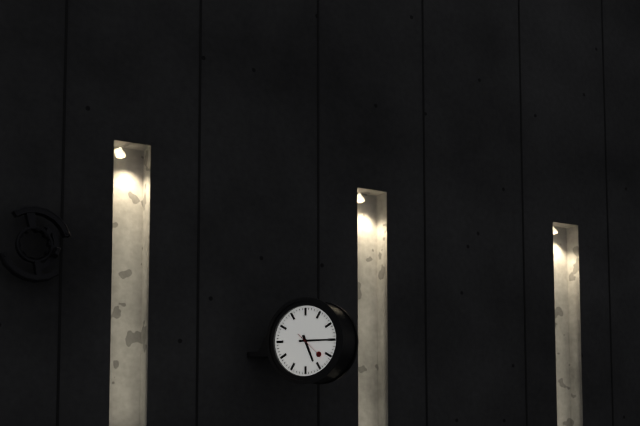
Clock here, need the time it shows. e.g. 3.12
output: 5.15
